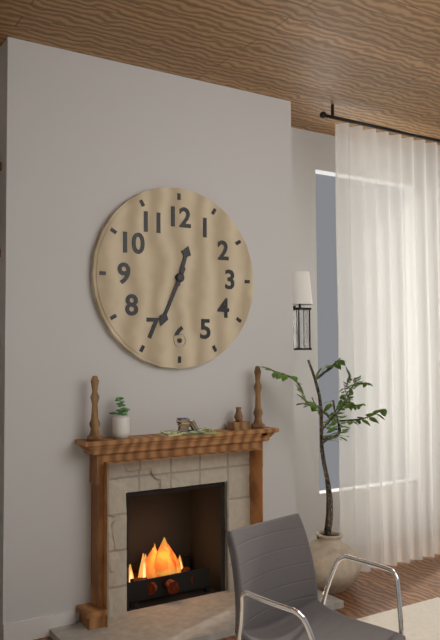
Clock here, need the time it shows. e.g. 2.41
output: 12.34
